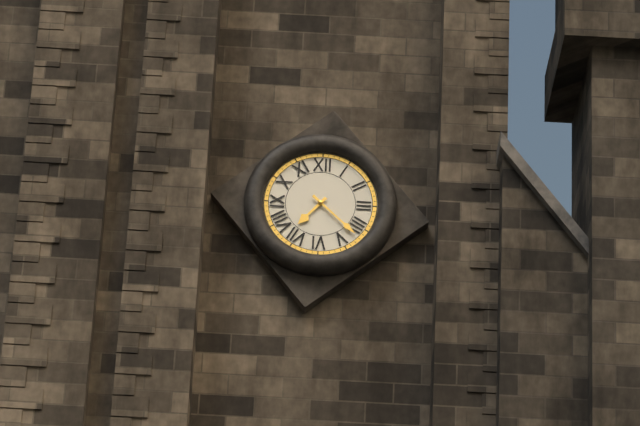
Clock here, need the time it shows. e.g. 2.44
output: 7.22
